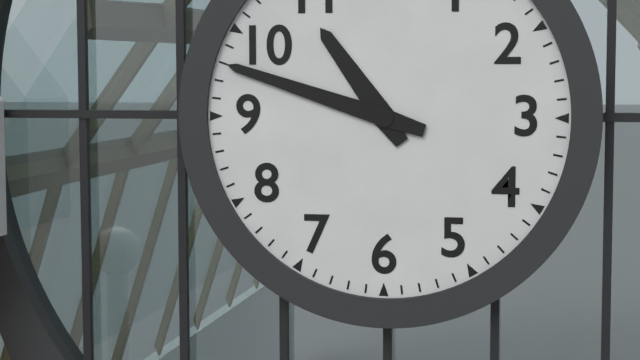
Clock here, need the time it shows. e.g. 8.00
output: 10.48
